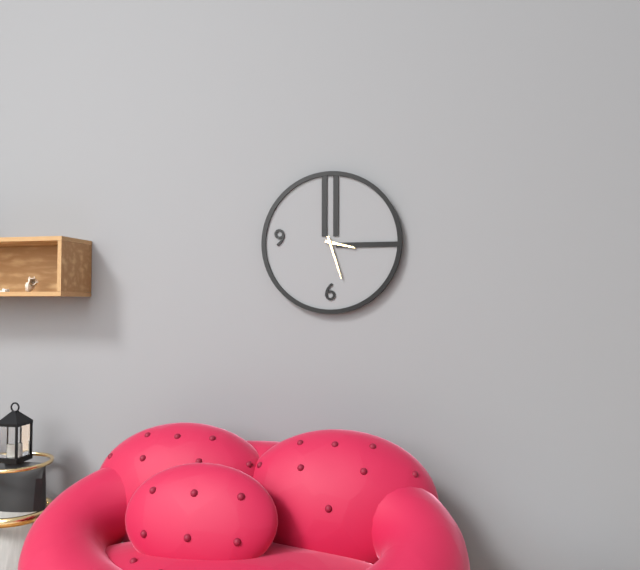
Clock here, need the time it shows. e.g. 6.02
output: 3.27
